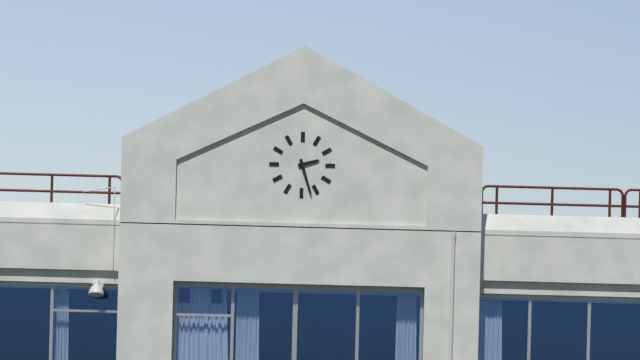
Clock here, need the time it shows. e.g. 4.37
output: 2.27
